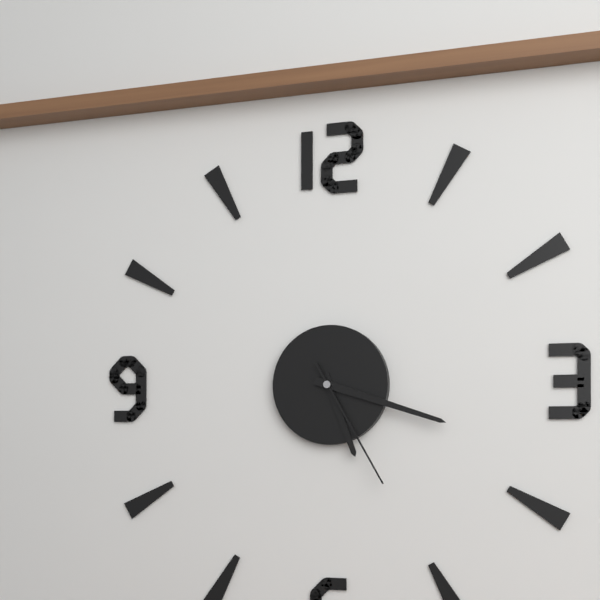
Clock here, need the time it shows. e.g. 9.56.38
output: 5.18.25
